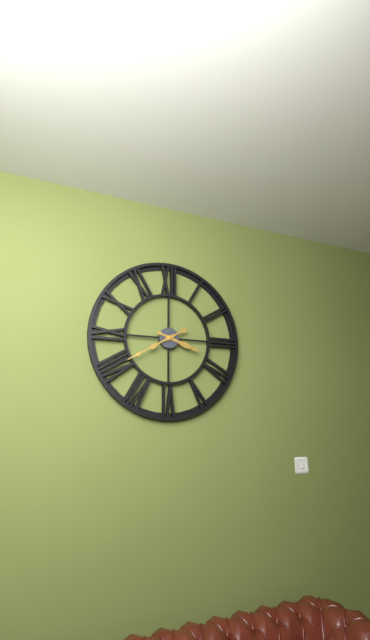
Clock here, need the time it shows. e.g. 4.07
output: 3.40
